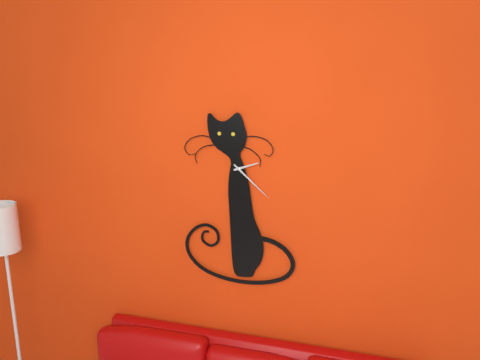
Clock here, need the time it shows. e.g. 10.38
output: 2.22
